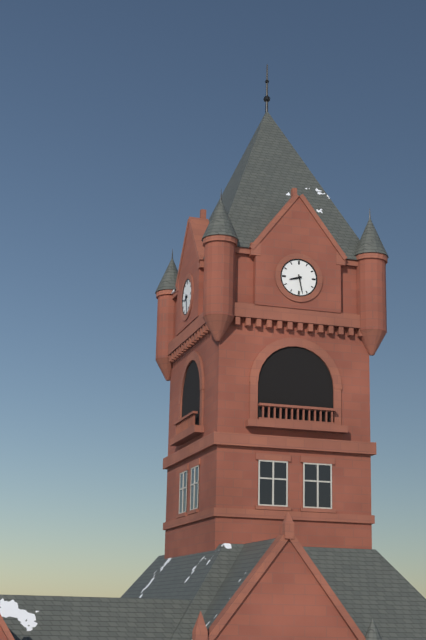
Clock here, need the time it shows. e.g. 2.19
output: 8.28
